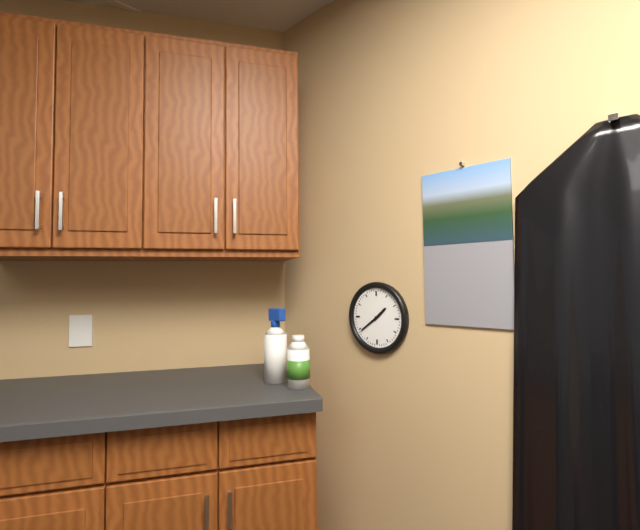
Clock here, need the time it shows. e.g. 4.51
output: 1.39
